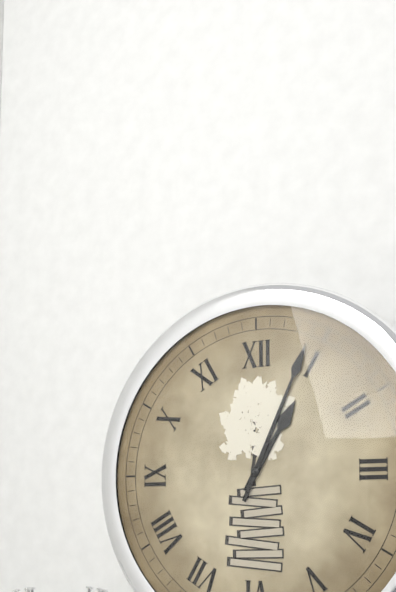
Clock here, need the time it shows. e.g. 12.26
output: 1.04
